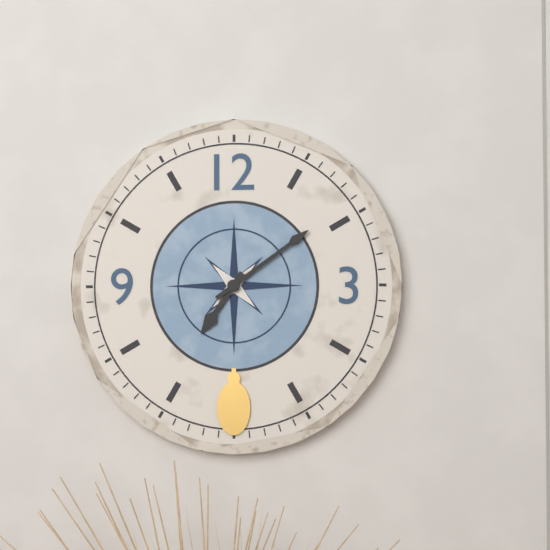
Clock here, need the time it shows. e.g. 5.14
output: 7.09
